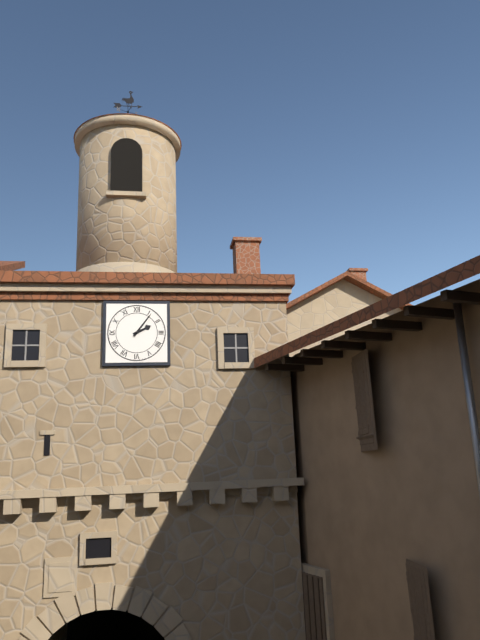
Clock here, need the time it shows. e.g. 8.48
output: 2.06
